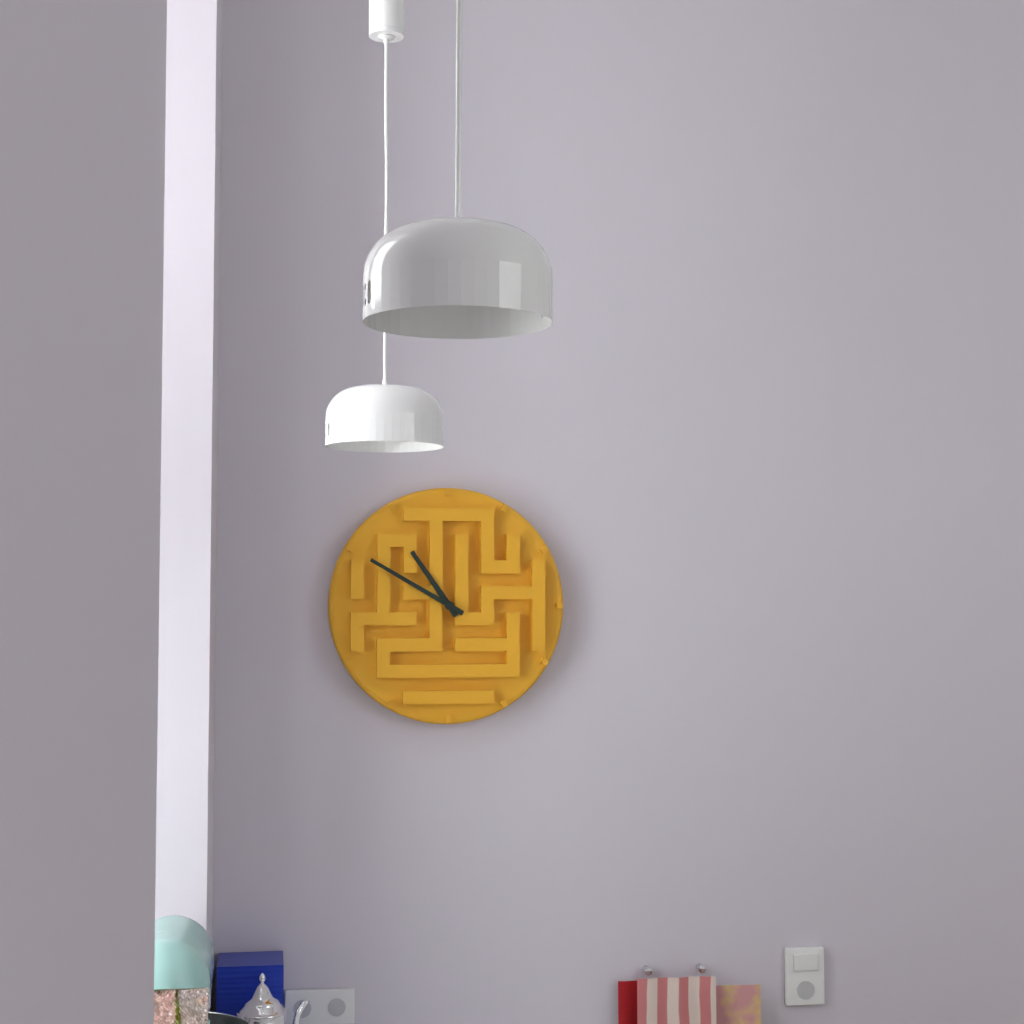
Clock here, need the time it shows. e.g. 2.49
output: 10.50
